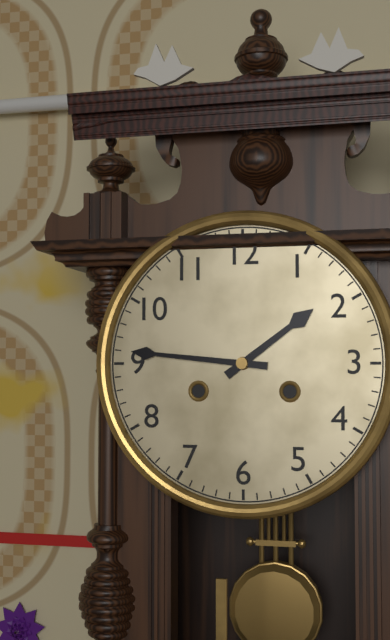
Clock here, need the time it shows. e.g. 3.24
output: 1.46
